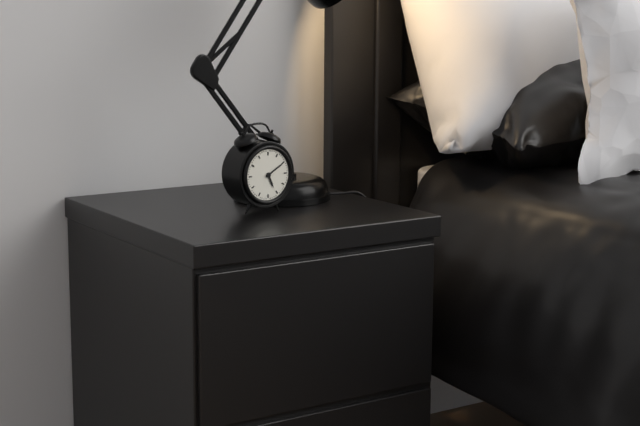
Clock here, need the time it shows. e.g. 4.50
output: 5.10
